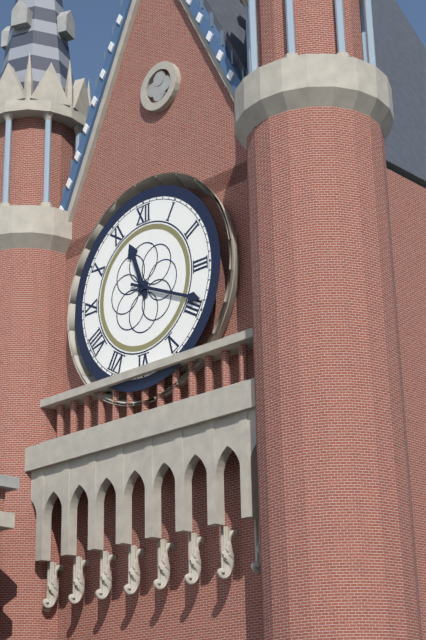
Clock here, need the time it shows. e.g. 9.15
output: 11.19
